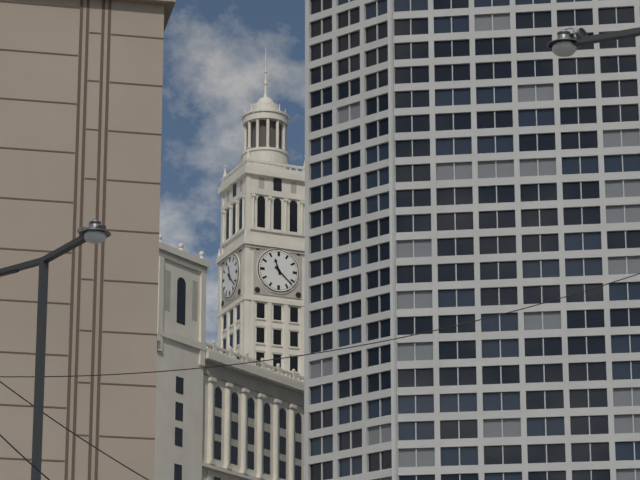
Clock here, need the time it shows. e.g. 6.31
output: 11.22
